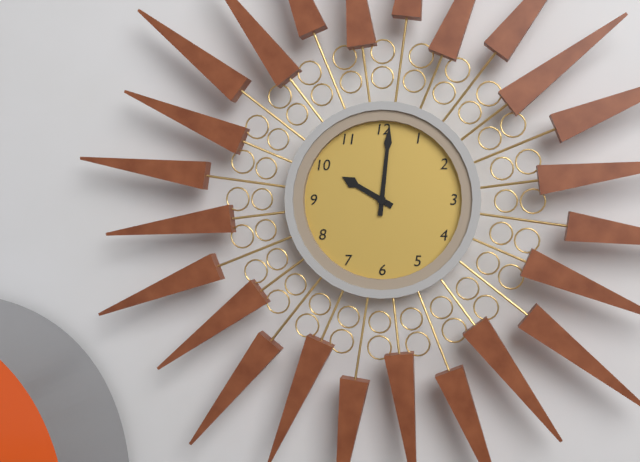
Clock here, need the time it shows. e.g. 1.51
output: 10.01
